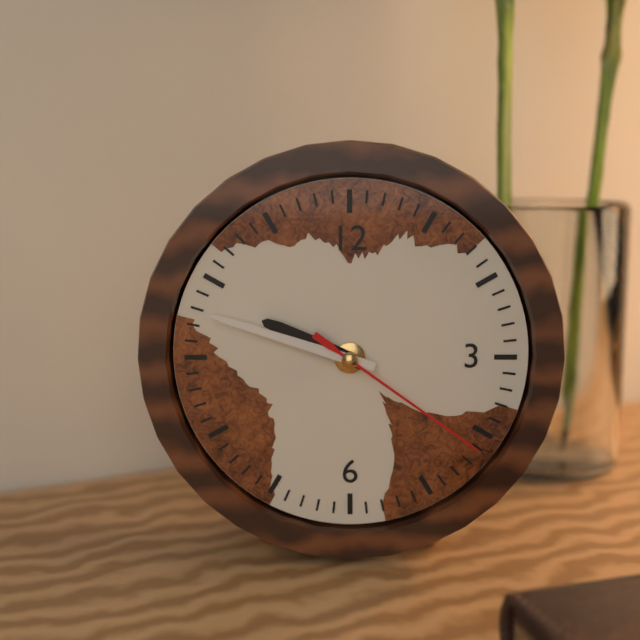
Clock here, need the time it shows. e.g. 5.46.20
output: 9.48.21
